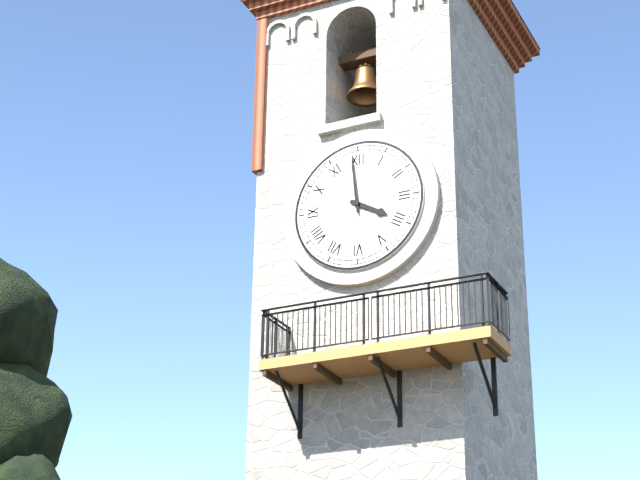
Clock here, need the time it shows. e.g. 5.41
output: 3.59
